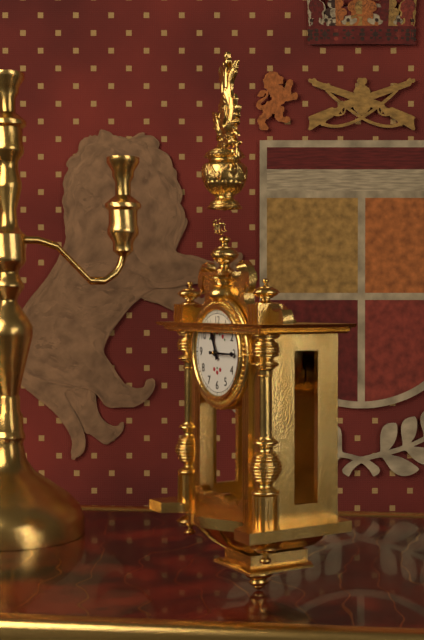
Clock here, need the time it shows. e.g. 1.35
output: 11.15
